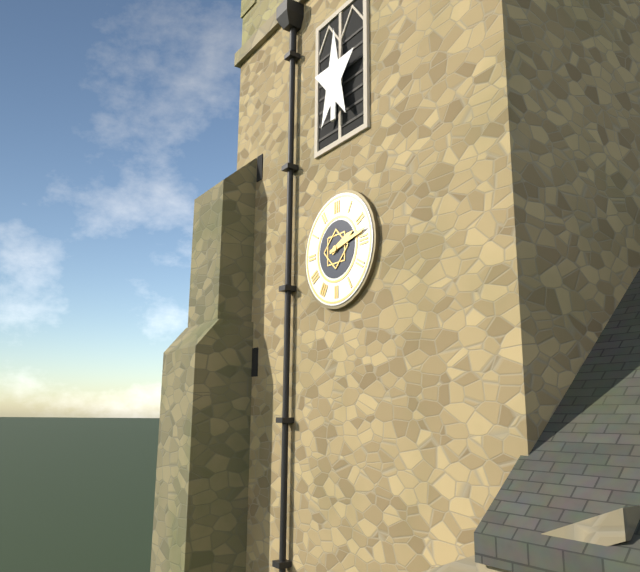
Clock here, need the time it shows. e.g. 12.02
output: 2.13
